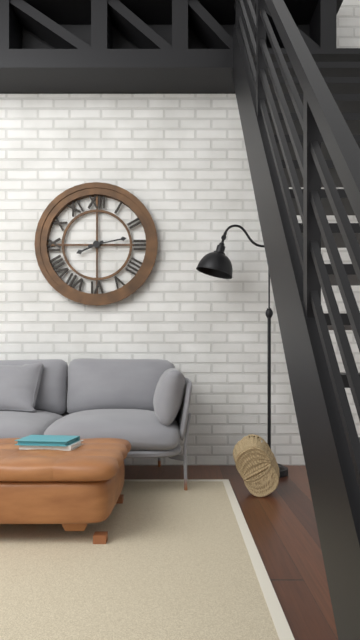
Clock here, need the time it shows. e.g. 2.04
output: 8.13
